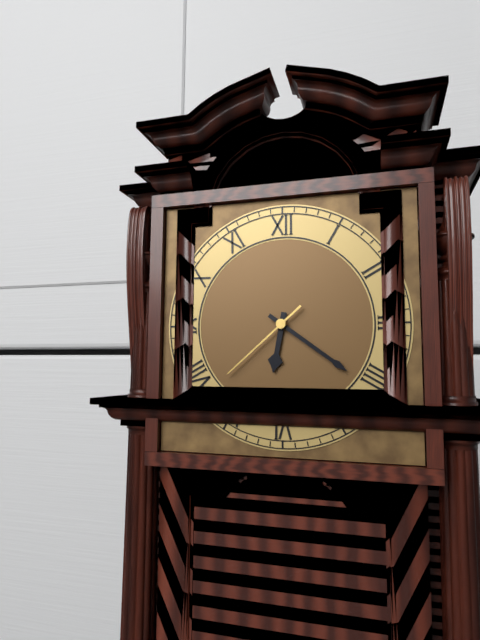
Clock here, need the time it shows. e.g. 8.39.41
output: 6.21.38
